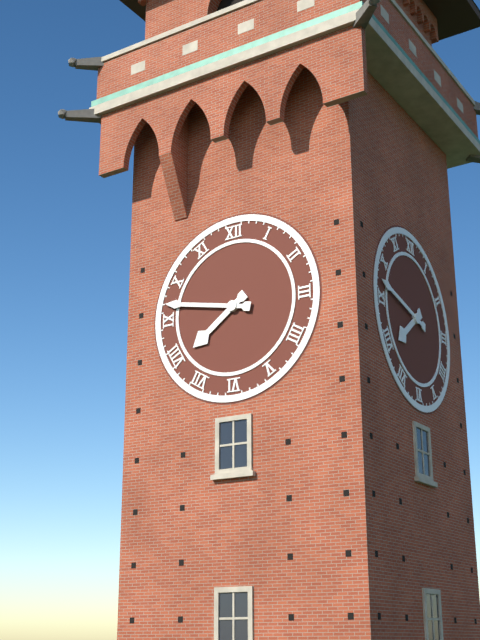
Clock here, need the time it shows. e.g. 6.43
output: 7.47
